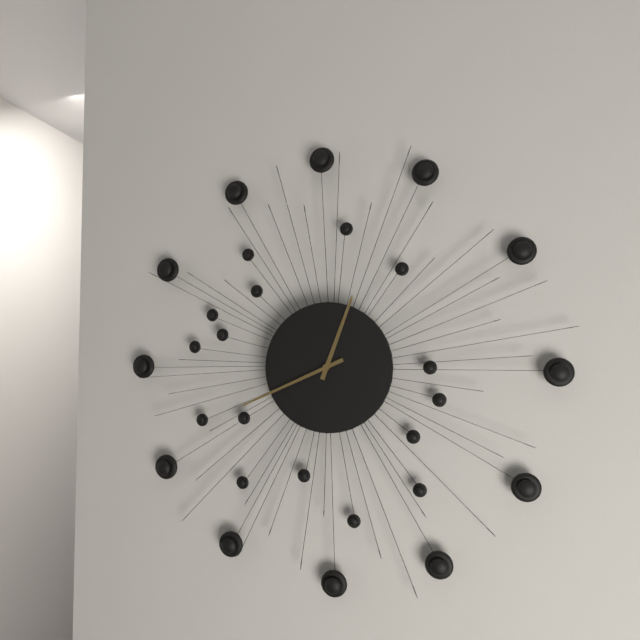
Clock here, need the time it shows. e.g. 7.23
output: 12.41
